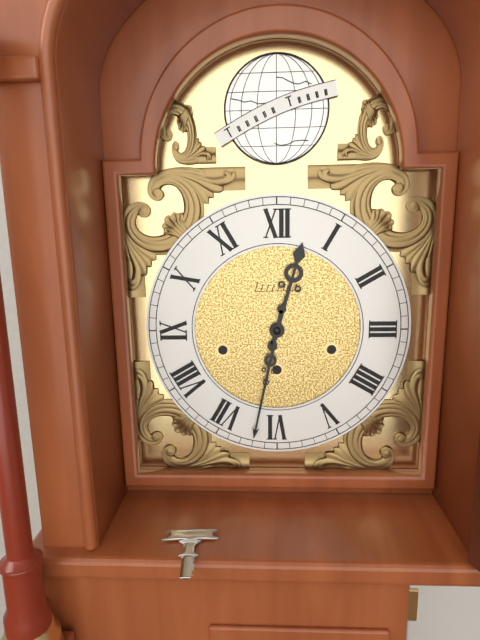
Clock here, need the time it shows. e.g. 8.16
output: 12.32
